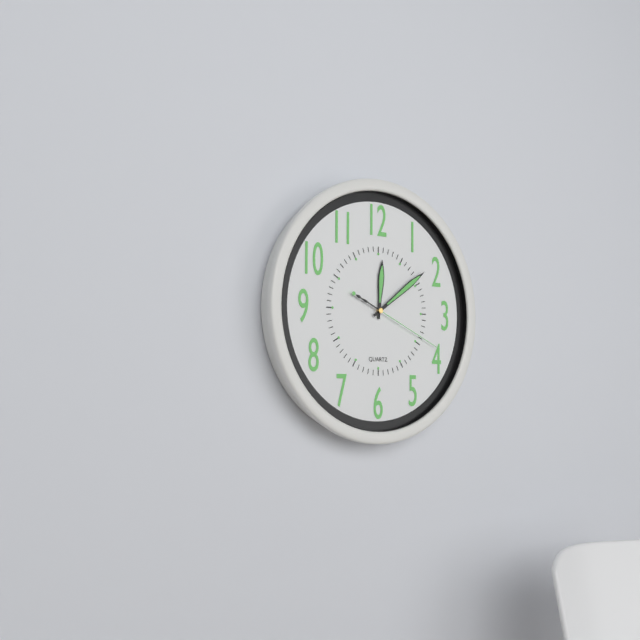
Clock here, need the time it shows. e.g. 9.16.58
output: 12.09.19
